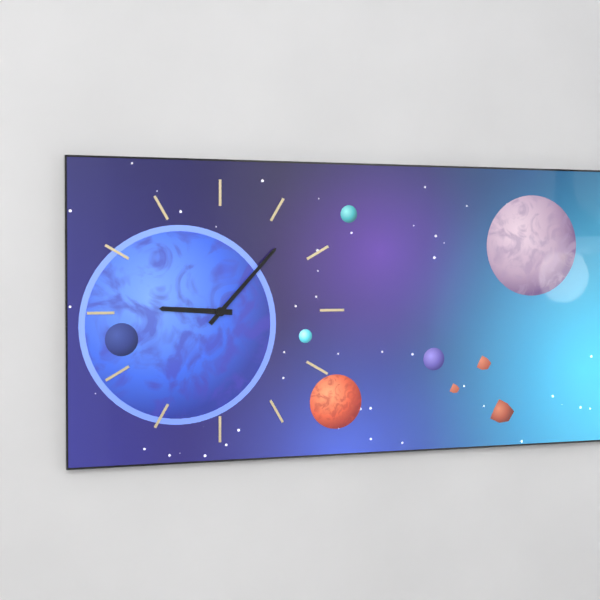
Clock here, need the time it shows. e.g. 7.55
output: 9.07
